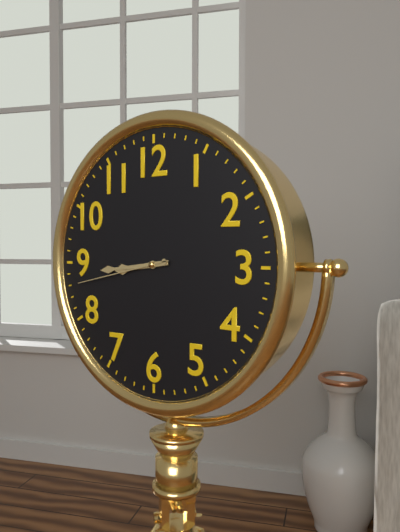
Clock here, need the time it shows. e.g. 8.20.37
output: 8.44.43
